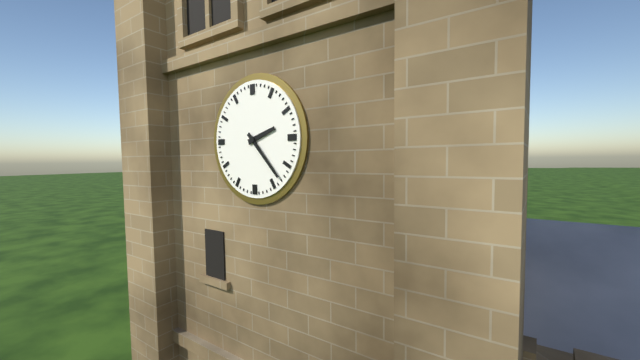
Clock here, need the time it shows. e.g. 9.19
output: 2.23
